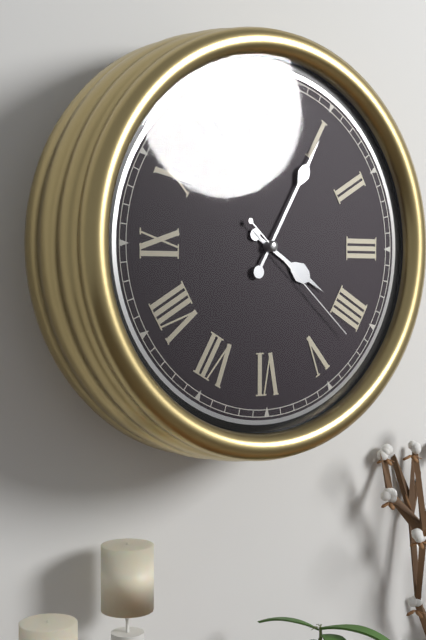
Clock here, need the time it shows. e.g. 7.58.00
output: 4.05.22
